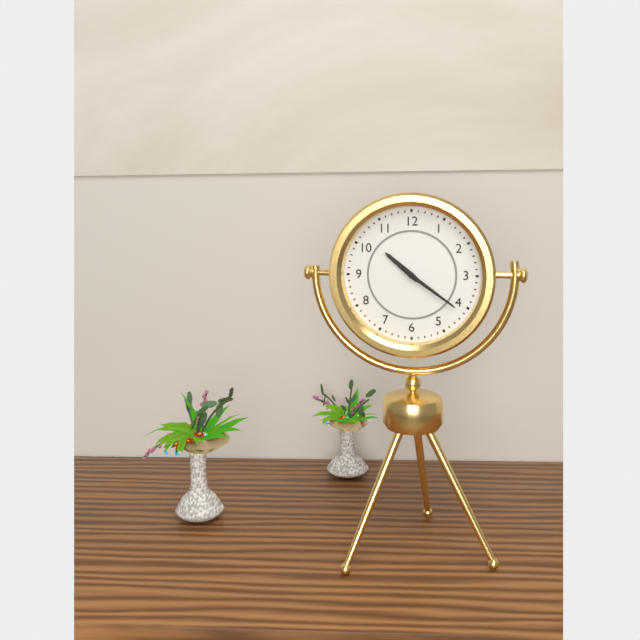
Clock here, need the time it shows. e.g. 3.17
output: 10.21
